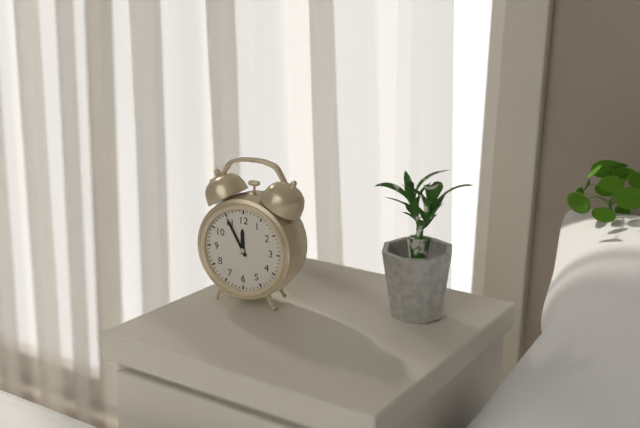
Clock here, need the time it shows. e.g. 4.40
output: 11.55
